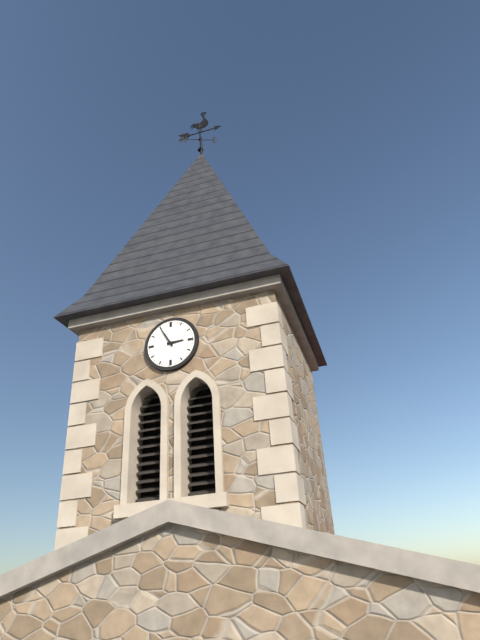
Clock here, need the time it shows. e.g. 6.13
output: 2.55
